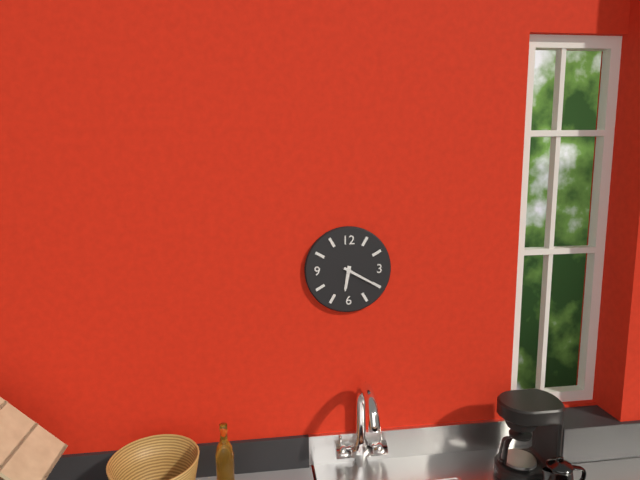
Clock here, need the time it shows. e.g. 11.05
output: 6.20
